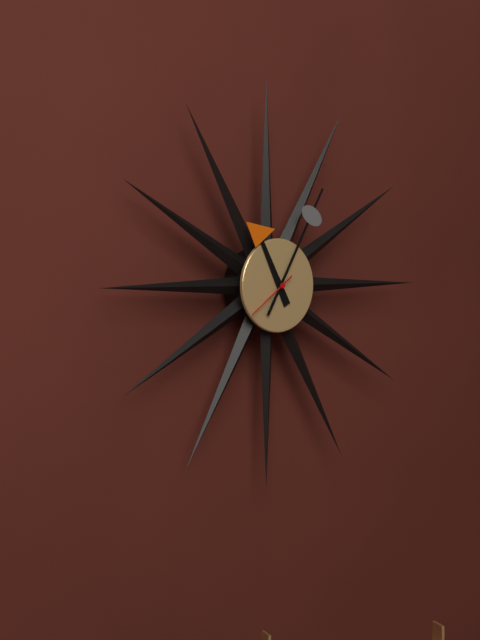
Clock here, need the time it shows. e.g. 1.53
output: 11.05
